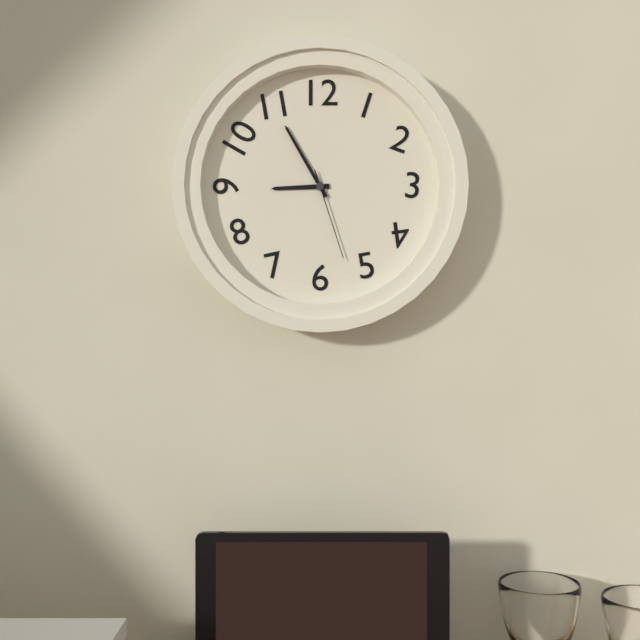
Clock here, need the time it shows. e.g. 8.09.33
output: 8.55.27
